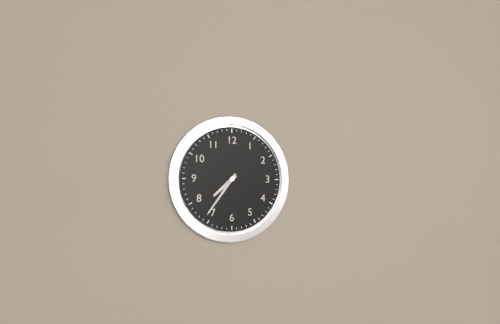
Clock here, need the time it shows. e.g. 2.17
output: 7.36
